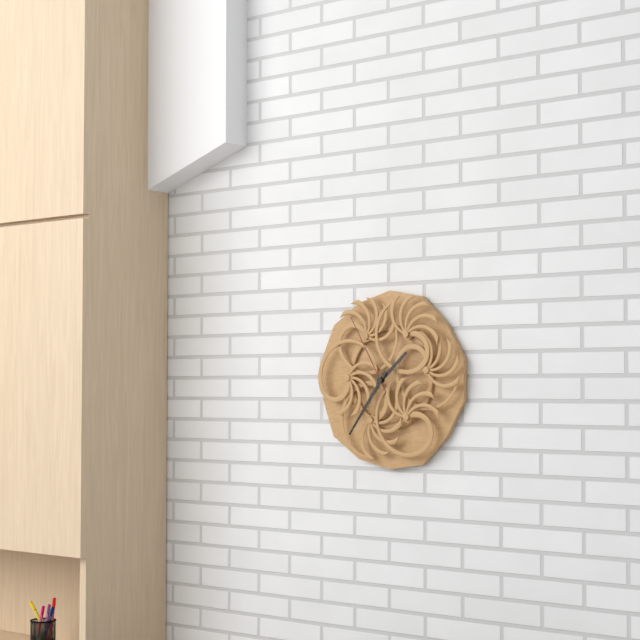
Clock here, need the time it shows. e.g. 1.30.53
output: 1.36.55
